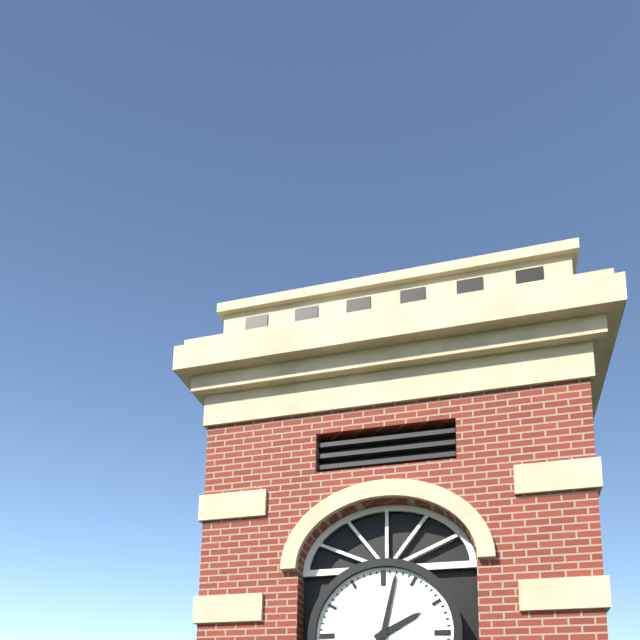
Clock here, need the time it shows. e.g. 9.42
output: 2.02
